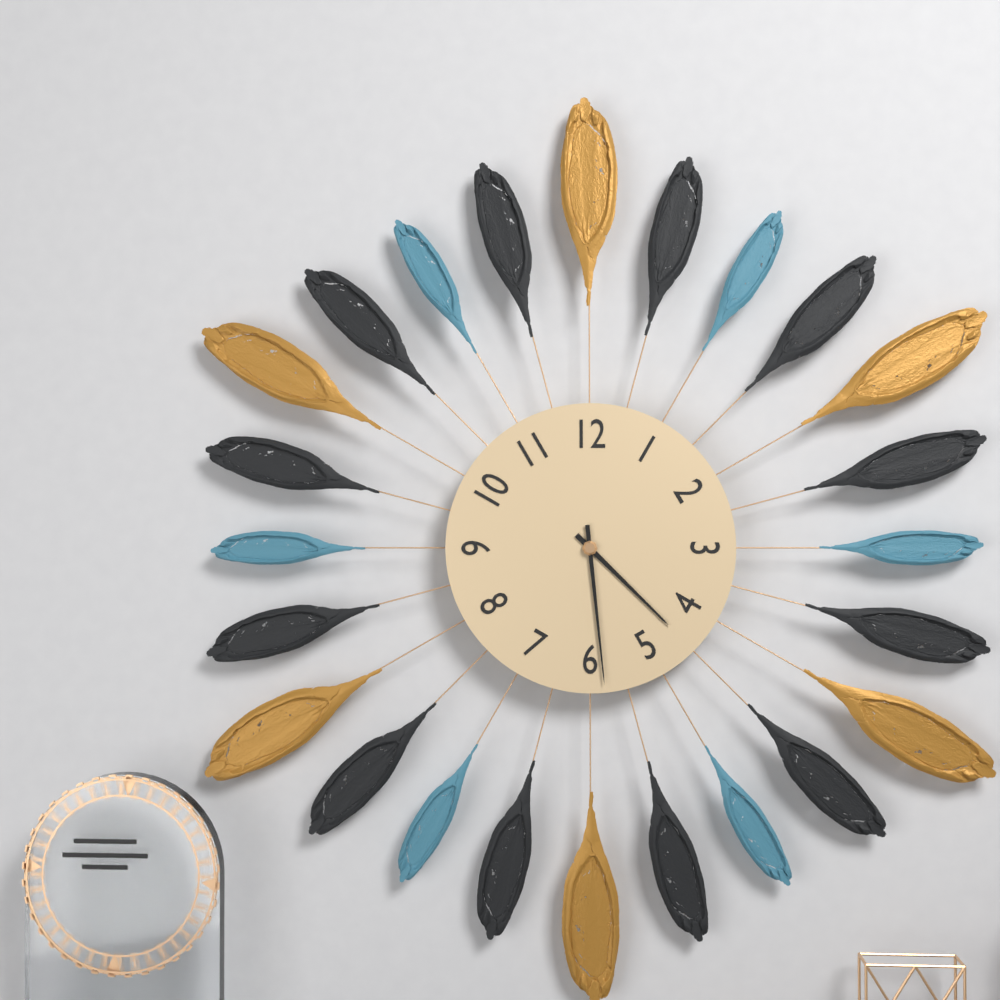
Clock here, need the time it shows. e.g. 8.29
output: 4.29
